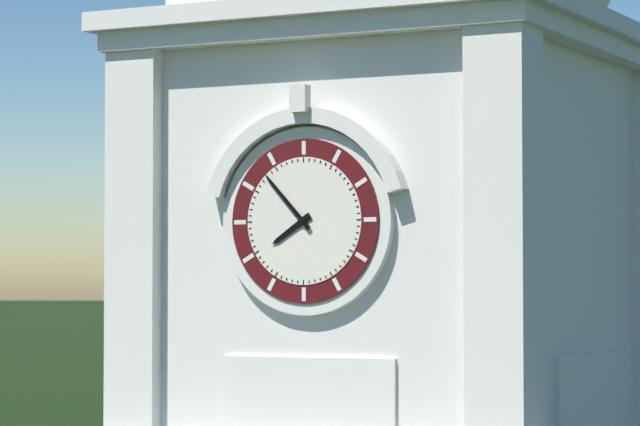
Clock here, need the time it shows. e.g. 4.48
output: 7.53
